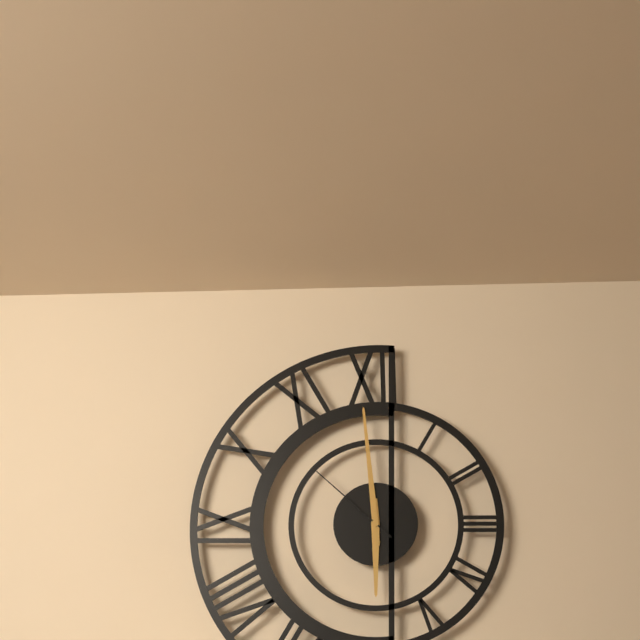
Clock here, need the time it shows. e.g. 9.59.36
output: 5.59.52
